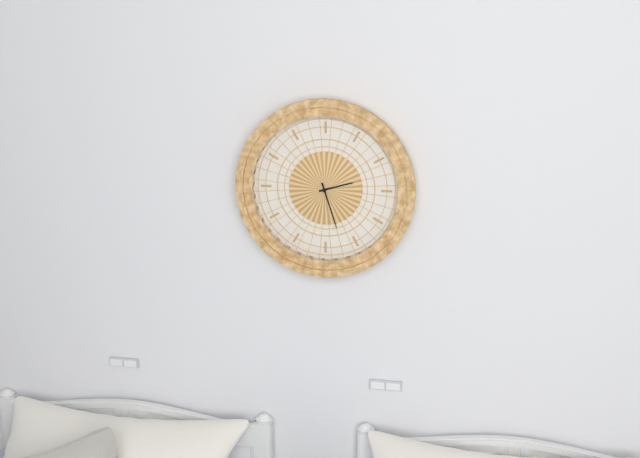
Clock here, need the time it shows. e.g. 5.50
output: 2.27
